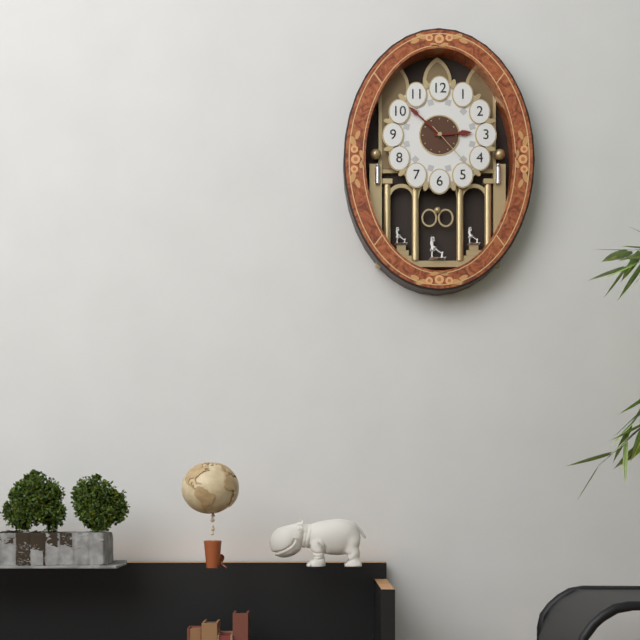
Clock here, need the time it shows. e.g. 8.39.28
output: 2.52.23
